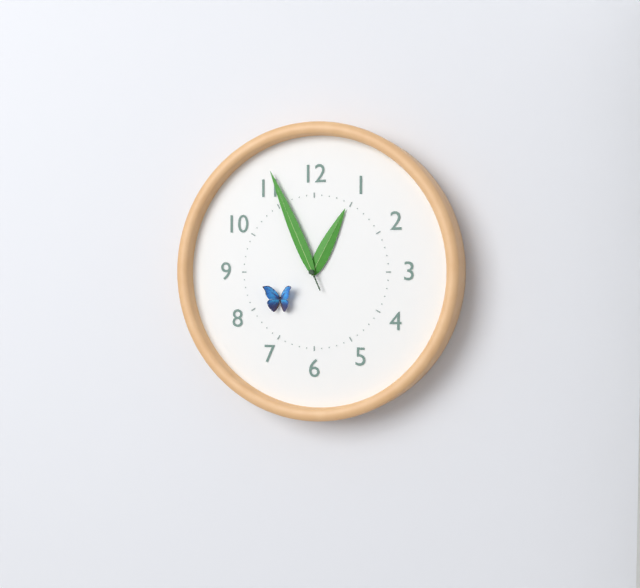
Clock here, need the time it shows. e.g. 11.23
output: 12.56
